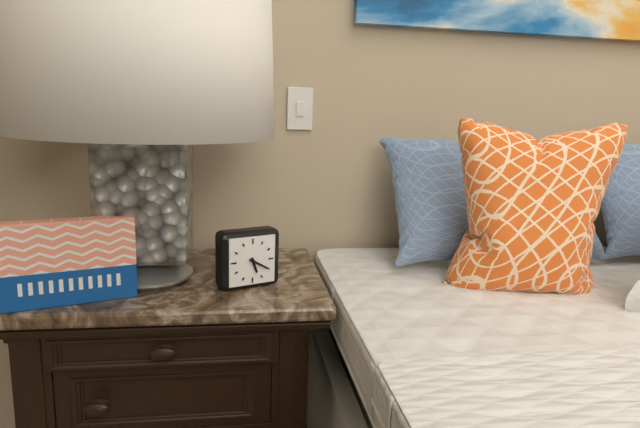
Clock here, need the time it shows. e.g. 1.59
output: 5.20
